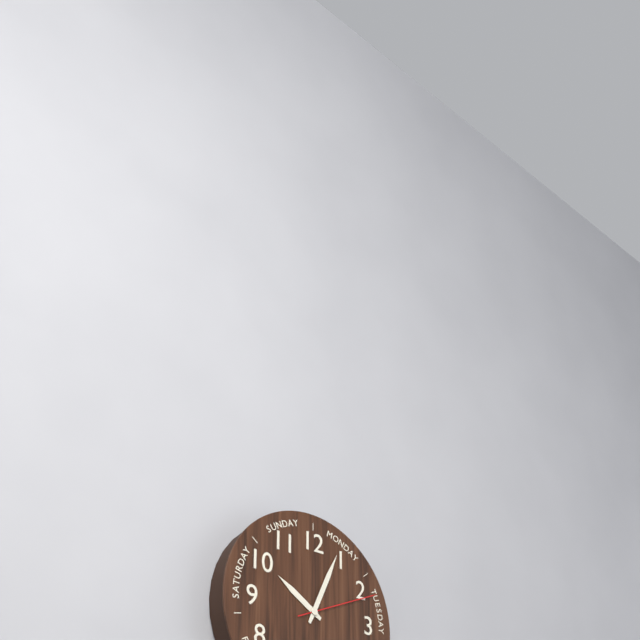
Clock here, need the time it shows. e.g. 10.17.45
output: 10.04.11
